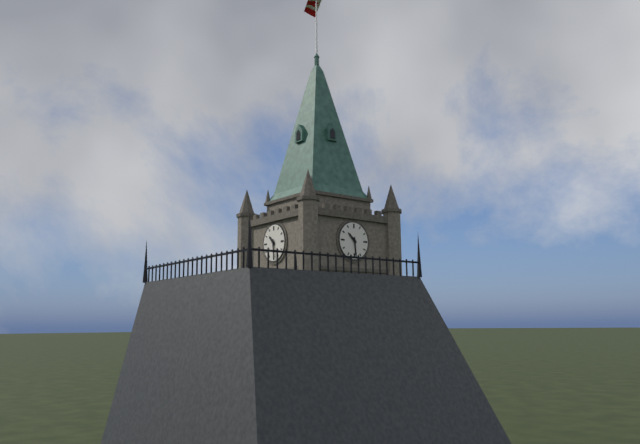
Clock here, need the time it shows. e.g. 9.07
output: 10.29
